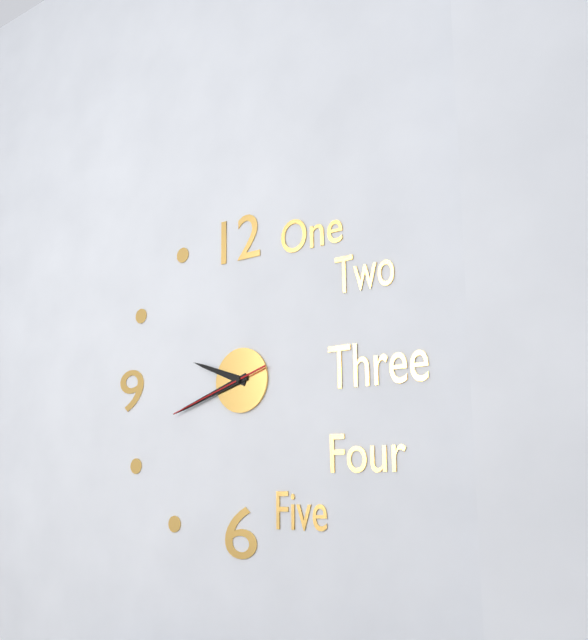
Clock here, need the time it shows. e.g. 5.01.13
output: 9.42.42
